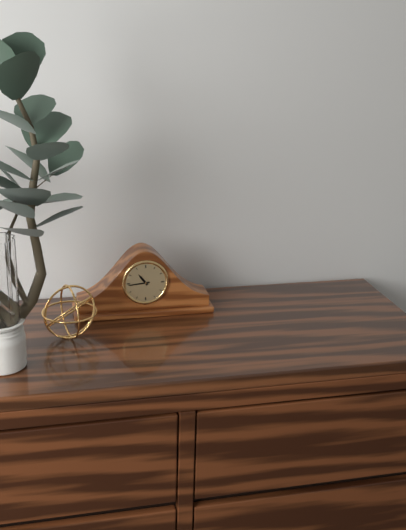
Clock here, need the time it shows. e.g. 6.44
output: 10.44
